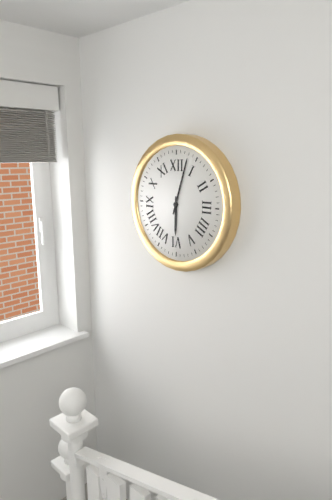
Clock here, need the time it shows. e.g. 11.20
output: 6.03
